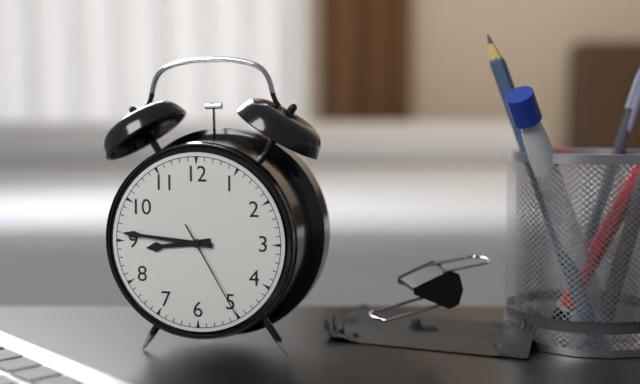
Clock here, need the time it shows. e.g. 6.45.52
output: 8.46.25
